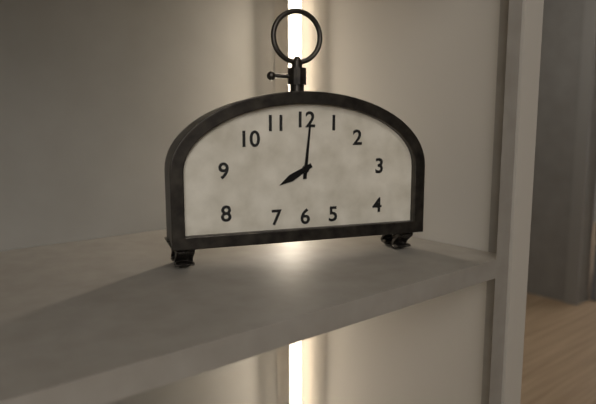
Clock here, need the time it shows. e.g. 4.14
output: 8.01
